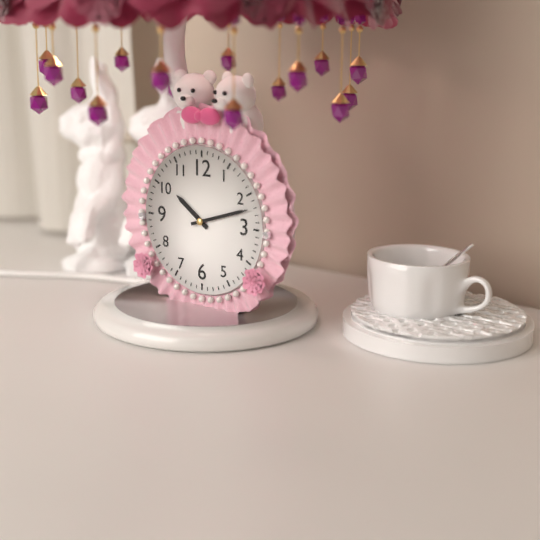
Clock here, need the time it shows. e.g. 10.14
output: 10.12
